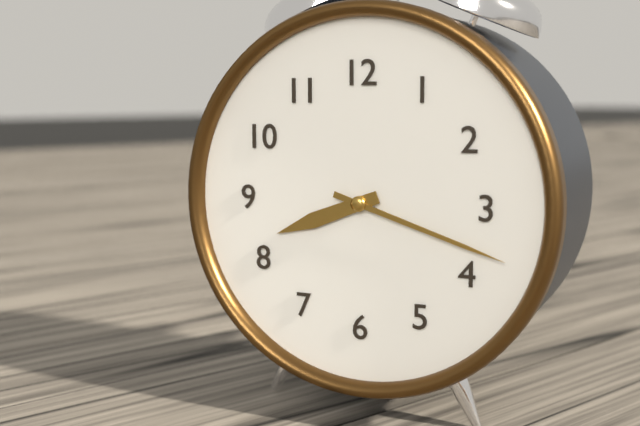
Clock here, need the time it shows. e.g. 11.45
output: 8.18
